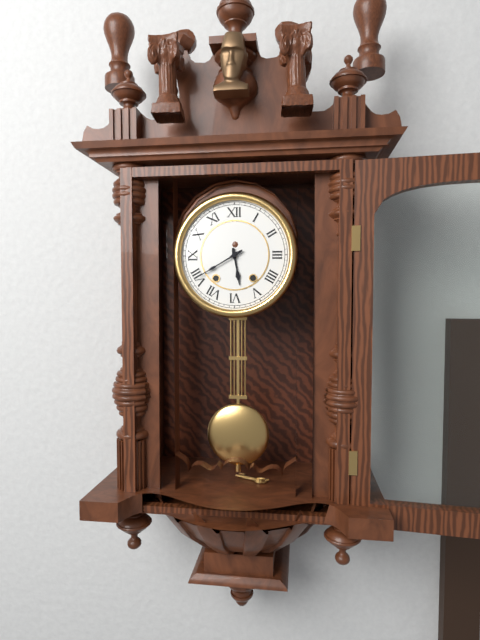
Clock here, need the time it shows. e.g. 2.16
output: 5.40
